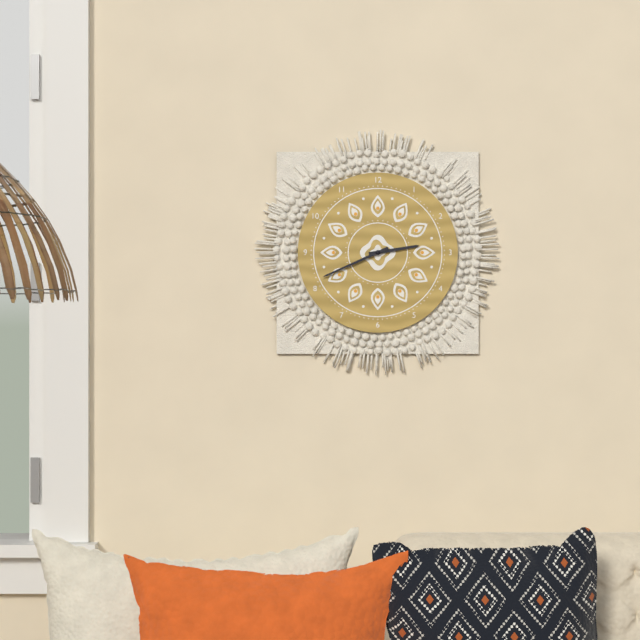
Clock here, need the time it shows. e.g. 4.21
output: 2.41
